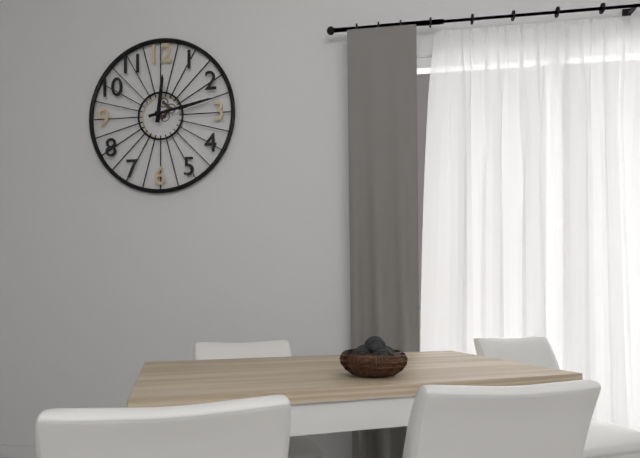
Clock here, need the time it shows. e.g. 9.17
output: 12.13
